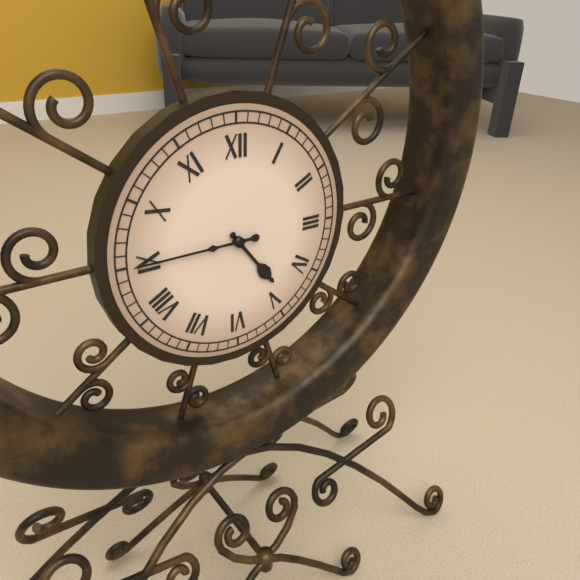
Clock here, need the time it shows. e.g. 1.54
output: 4.45
